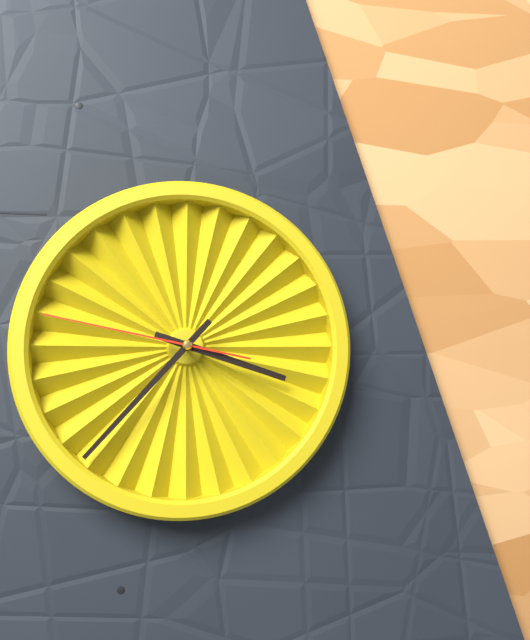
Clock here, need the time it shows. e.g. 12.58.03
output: 3.37.47
